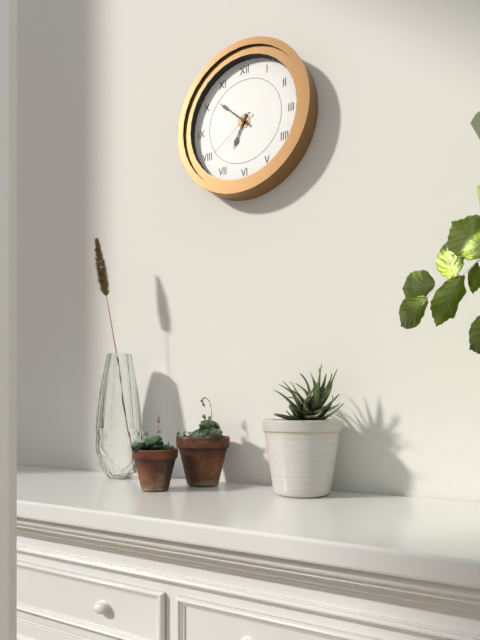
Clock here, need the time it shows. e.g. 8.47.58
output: 6.52.39
